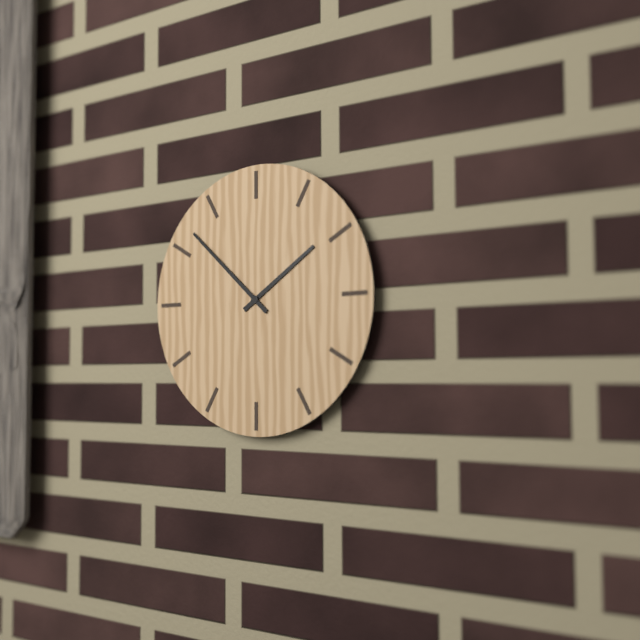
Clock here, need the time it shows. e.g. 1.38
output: 1.52
